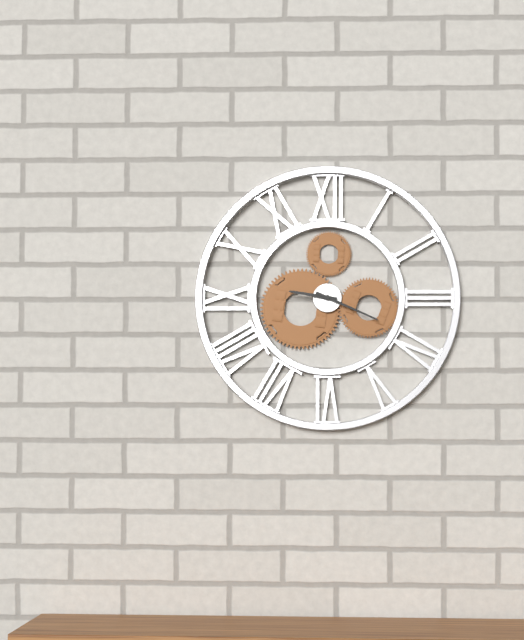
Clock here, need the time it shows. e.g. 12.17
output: 9.19
